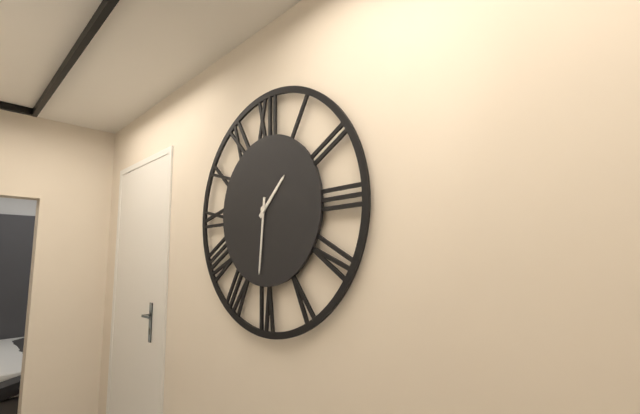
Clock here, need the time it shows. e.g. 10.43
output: 1.31
